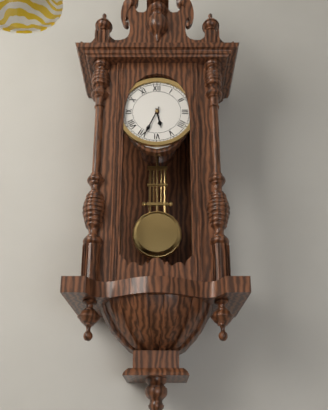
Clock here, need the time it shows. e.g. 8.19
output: 5.34
